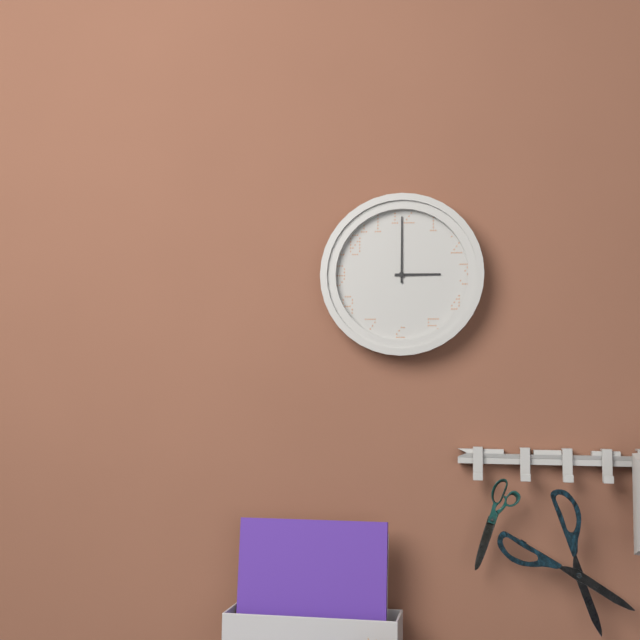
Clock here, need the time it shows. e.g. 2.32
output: 3.00
